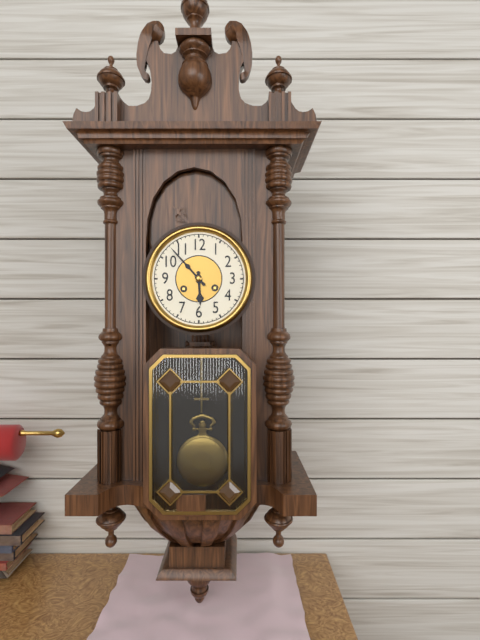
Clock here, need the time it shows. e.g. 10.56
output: 5.53
